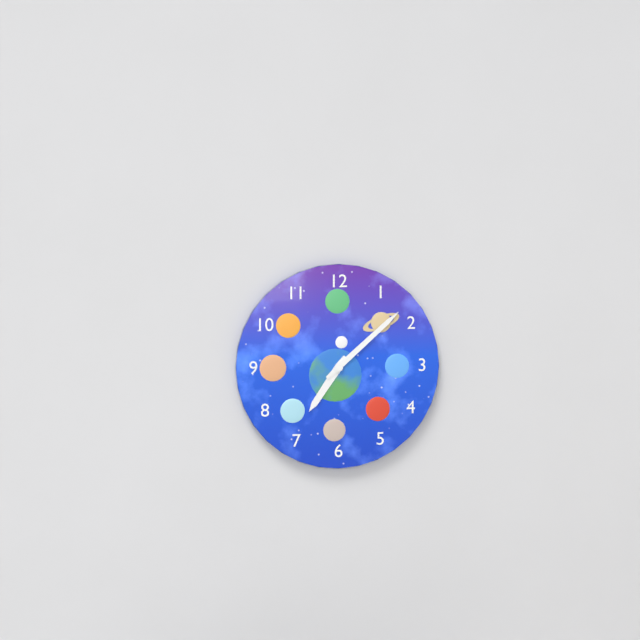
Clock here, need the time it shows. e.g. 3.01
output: 7.08
